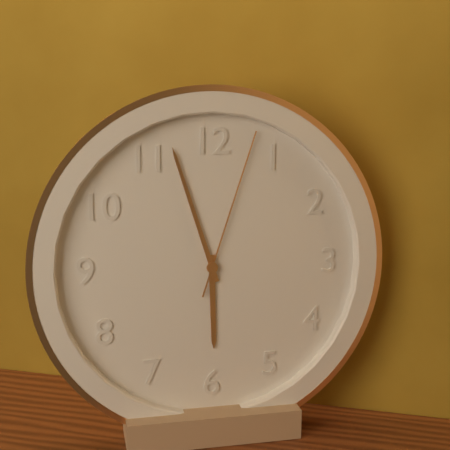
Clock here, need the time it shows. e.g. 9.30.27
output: 5.57.03
